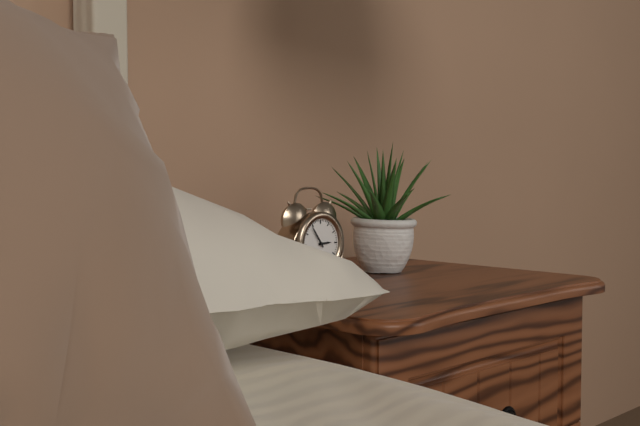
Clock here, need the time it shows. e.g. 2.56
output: 2.54
